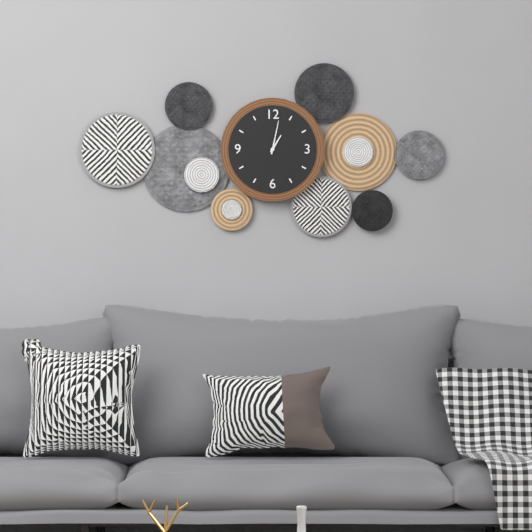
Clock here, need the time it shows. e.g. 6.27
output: 1.02
